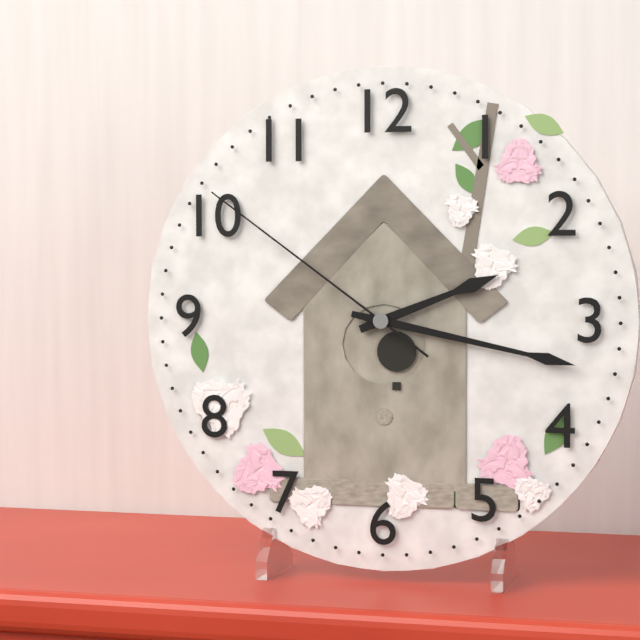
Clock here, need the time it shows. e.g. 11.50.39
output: 2.17.51
